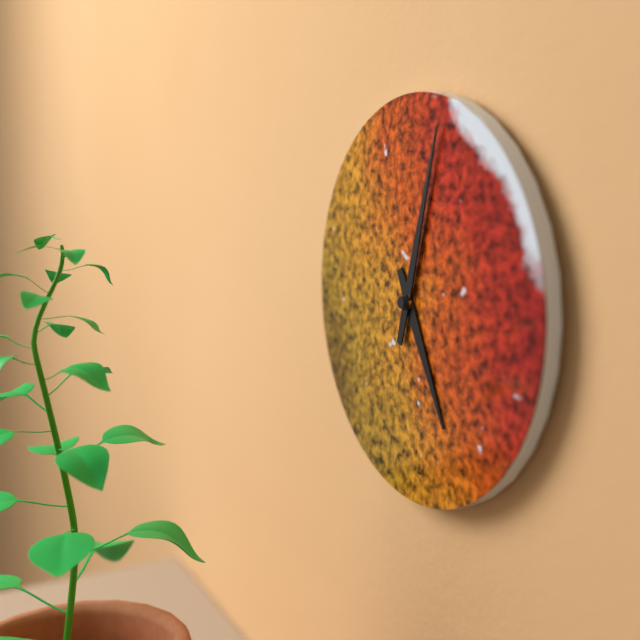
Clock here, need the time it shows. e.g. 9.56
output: 5.03
